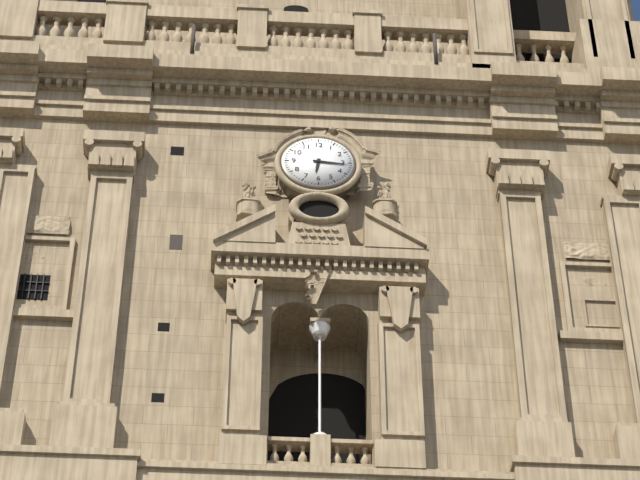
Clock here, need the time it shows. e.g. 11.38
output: 6.16
